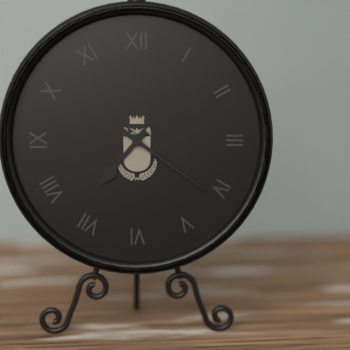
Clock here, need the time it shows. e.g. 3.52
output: 7.21
